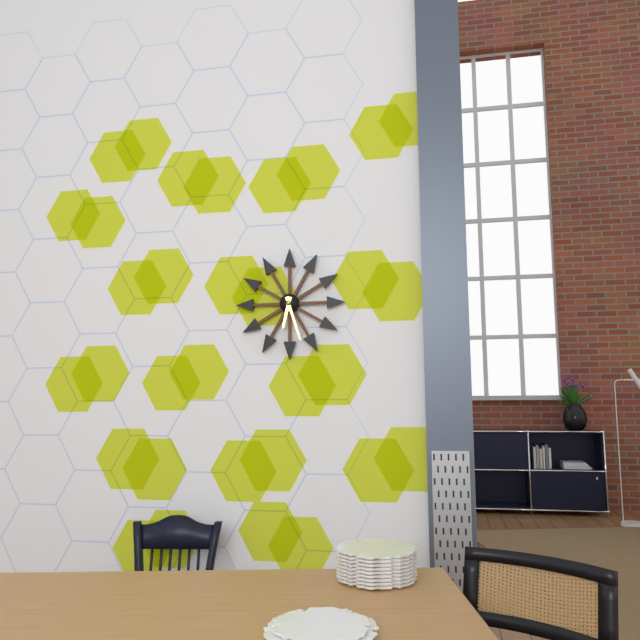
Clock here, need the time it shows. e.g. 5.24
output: 6.27
